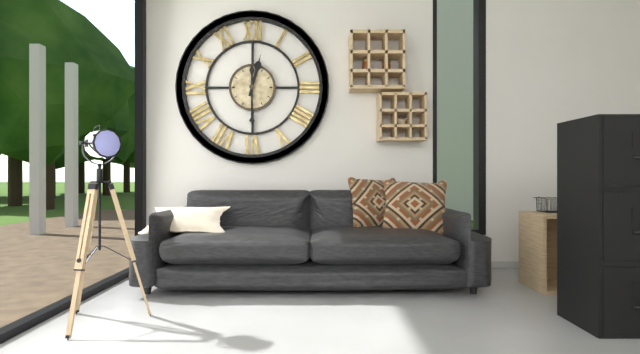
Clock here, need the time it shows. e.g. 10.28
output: 12.30
